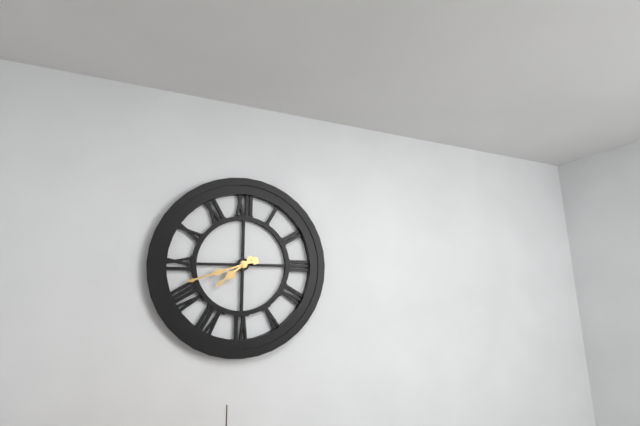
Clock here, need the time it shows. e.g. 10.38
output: 7.42
